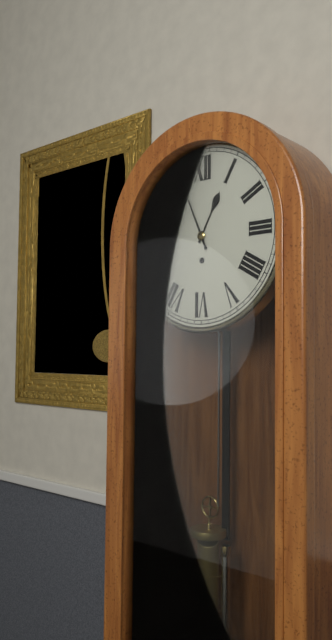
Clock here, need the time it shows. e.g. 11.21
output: 12.56
